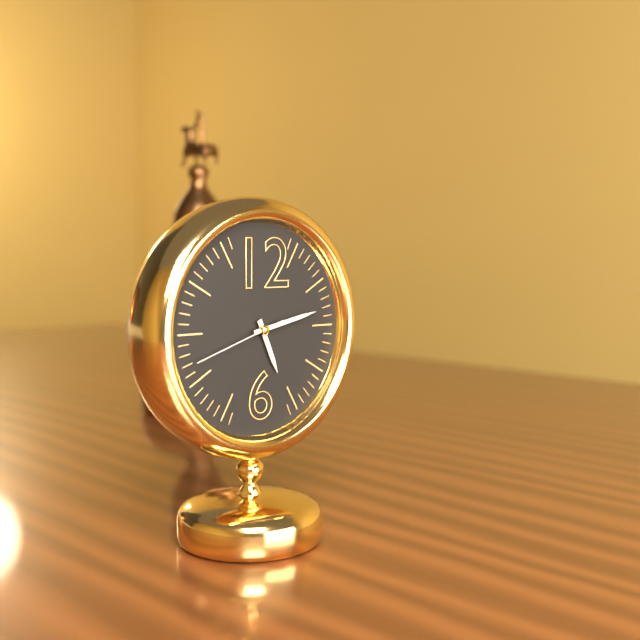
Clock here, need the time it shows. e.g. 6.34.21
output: 5.13.42
